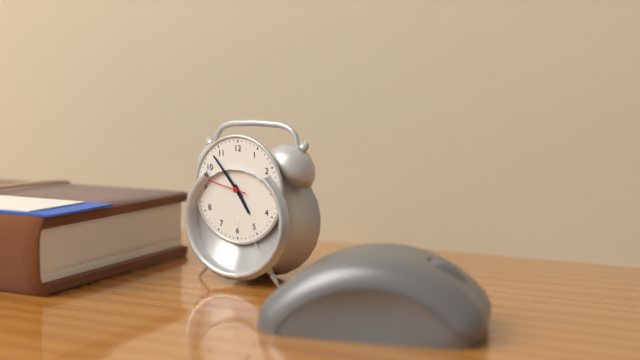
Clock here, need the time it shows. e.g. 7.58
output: 4.53
